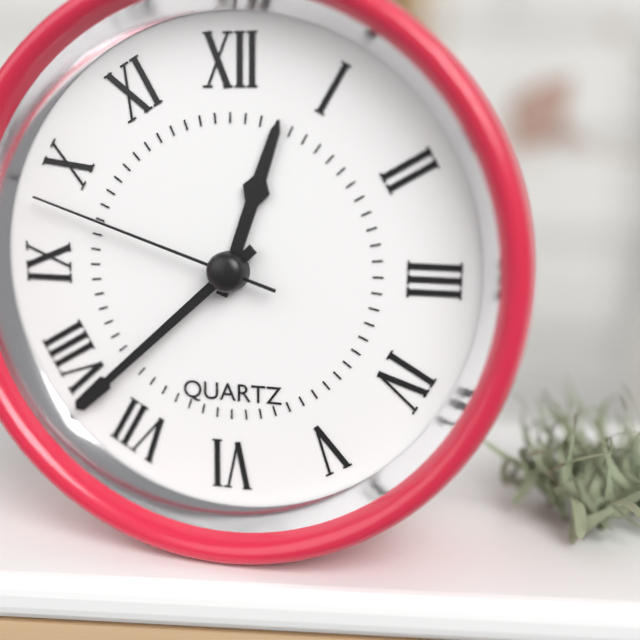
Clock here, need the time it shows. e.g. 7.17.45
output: 12.38.48
